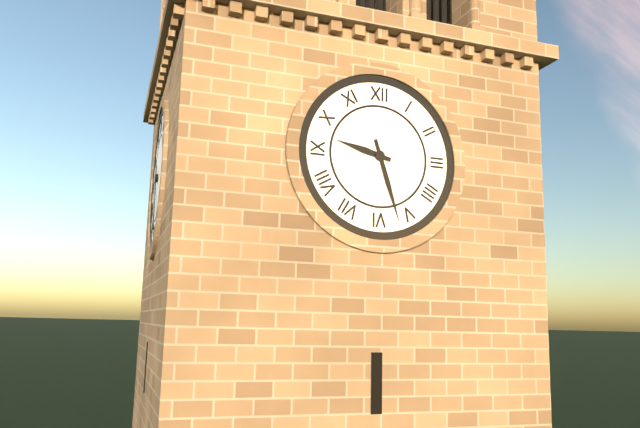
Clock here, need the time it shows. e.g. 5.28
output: 9.27
